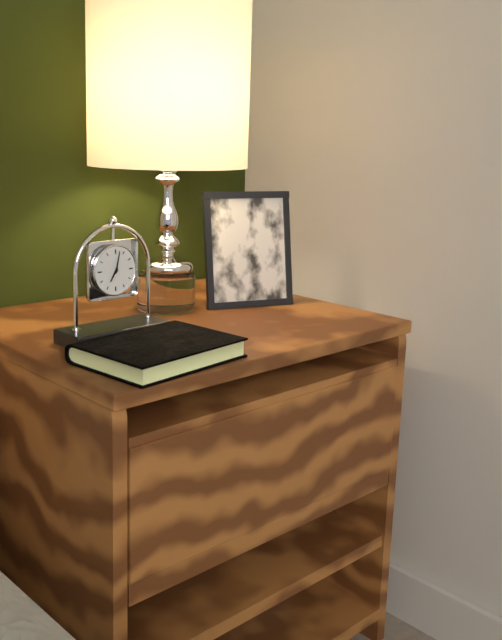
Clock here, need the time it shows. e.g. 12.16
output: 7.02
